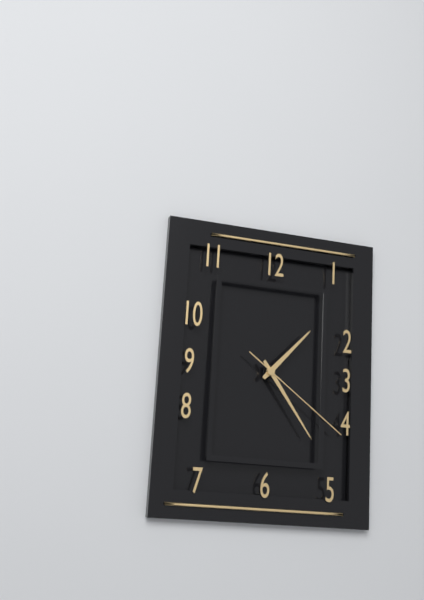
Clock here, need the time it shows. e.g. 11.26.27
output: 1.24.21
